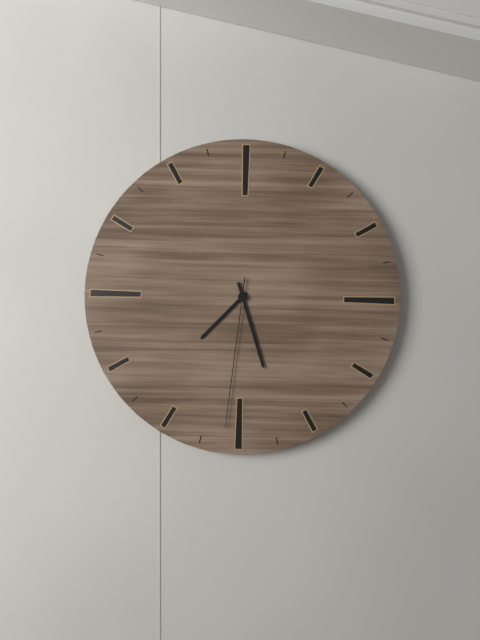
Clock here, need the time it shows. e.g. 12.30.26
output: 7.27.31
